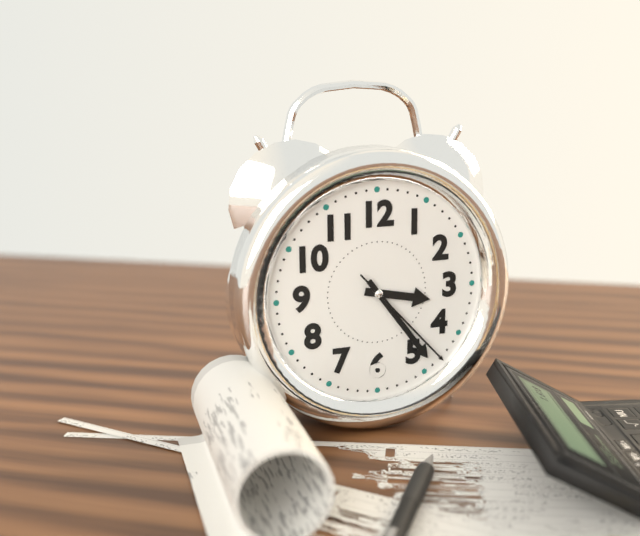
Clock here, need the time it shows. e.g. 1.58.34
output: 3.24.23
